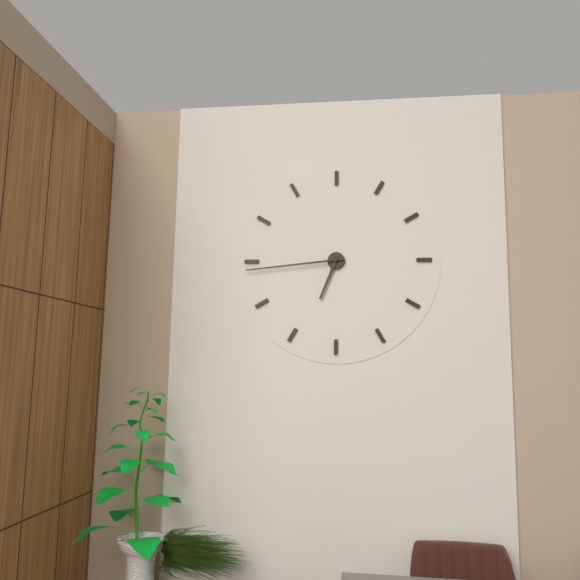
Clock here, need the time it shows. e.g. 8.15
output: 6.44
